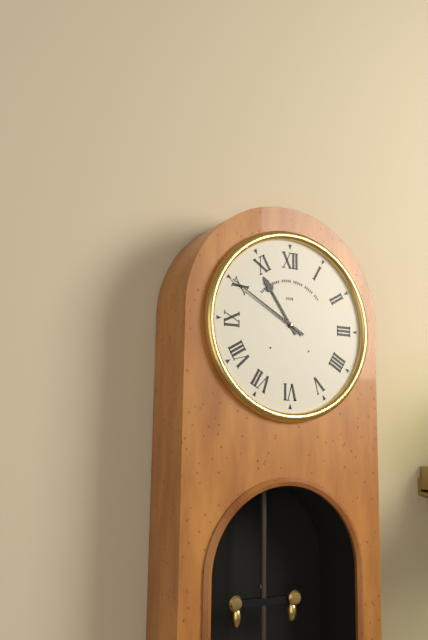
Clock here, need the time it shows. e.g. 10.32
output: 10.50
